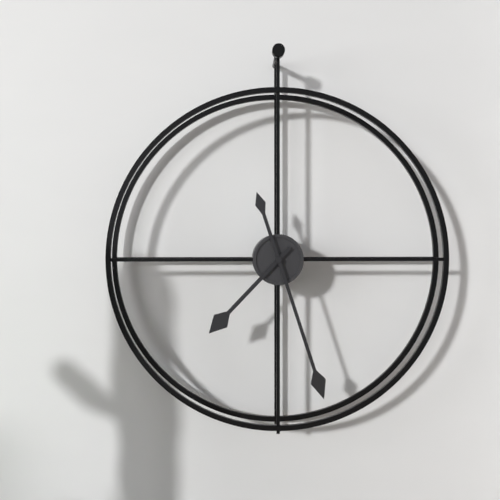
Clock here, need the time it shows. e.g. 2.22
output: 7.27
